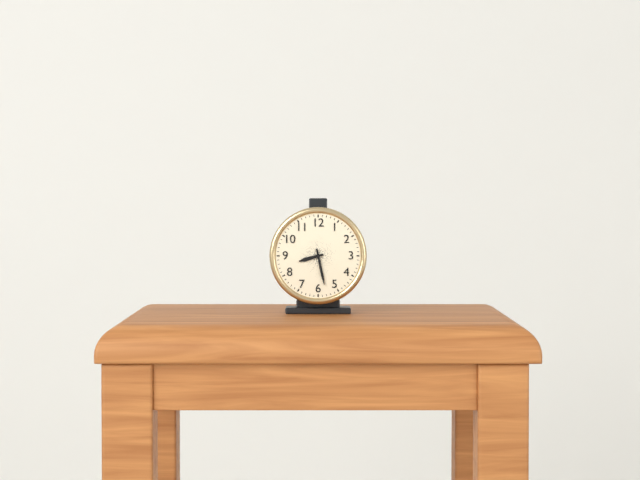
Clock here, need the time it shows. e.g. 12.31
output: 8.28
